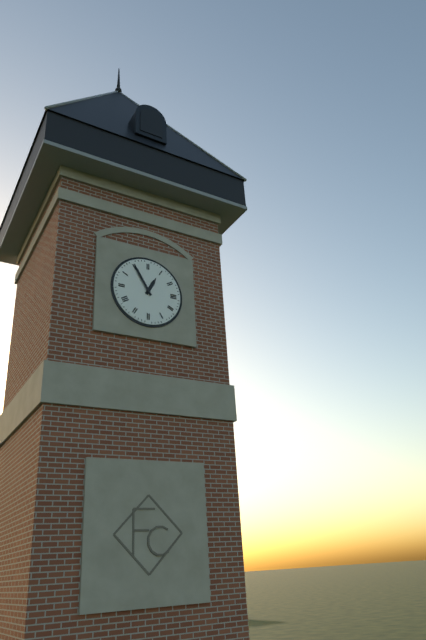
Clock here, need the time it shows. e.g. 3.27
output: 12.55
